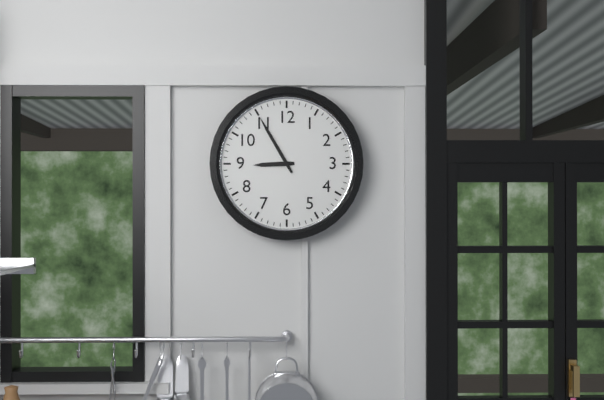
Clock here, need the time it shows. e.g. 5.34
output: 8.55
